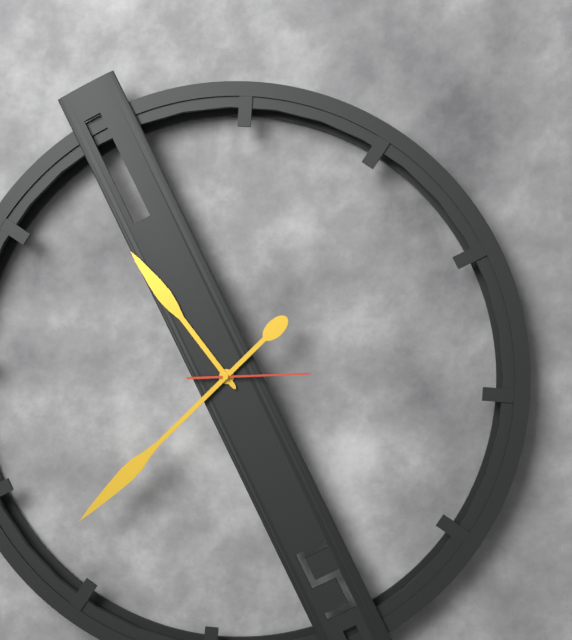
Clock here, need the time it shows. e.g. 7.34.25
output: 10.37.14
